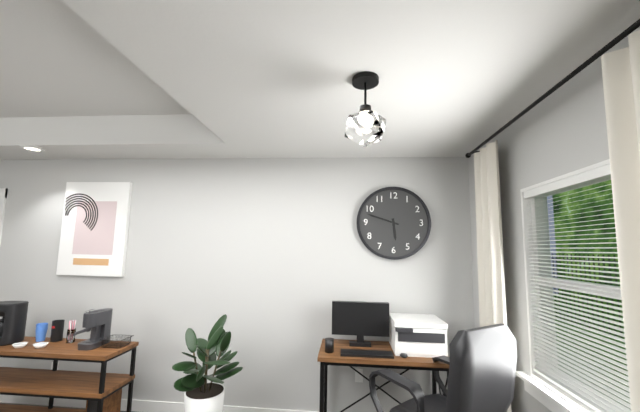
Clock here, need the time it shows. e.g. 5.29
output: 5.48
